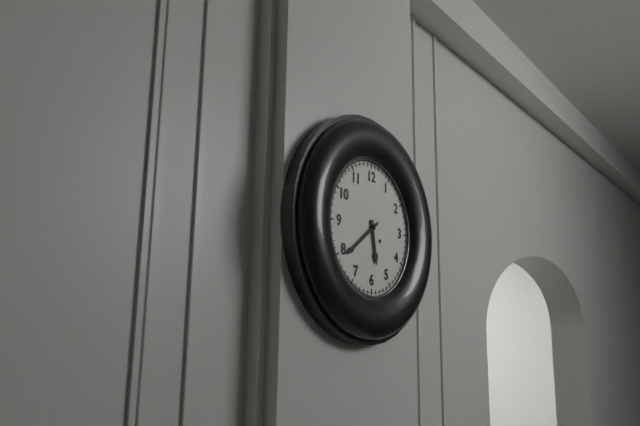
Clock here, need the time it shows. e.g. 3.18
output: 5.39
